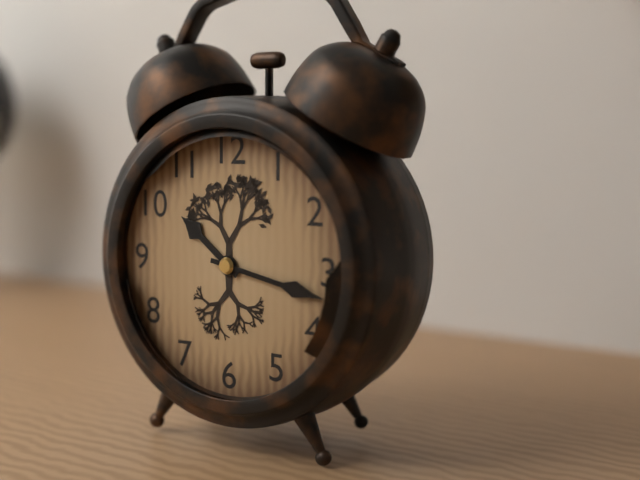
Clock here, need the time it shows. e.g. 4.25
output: 10.17
